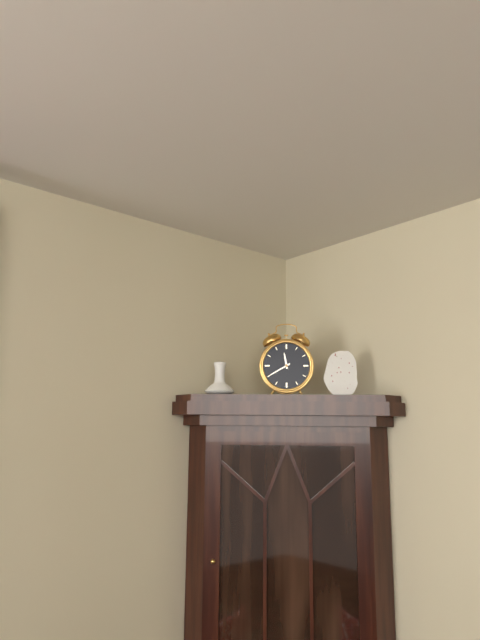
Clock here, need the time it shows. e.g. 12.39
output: 11.40
